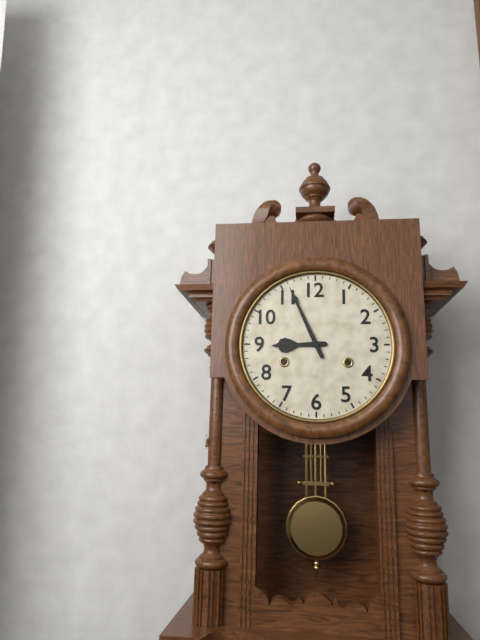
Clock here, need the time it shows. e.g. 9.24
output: 8.56
